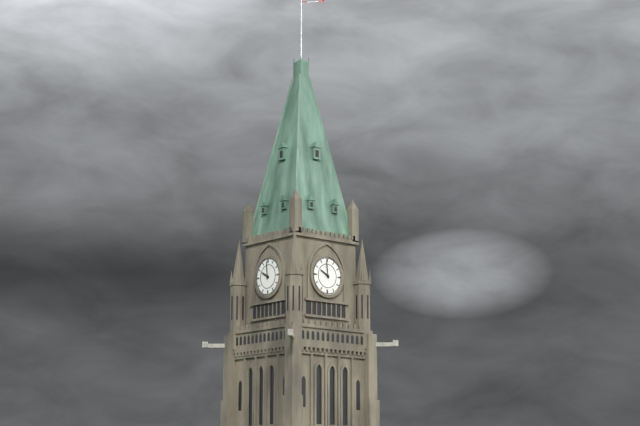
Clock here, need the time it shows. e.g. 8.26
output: 9.59
